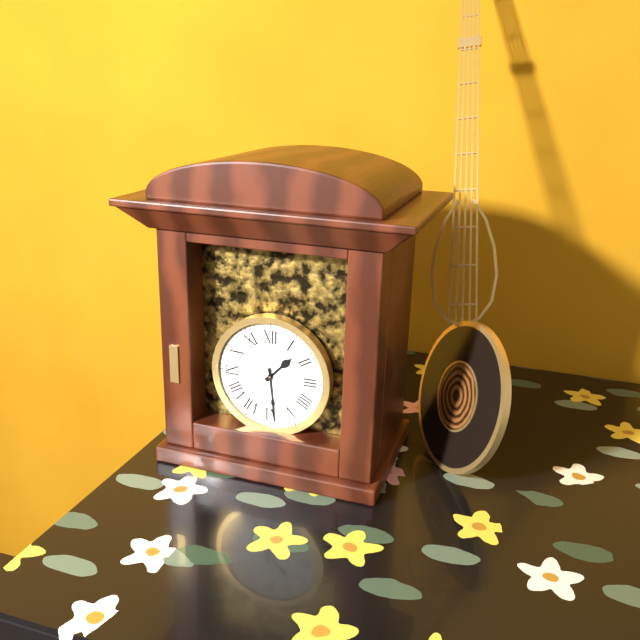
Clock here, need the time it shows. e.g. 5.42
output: 1.29
